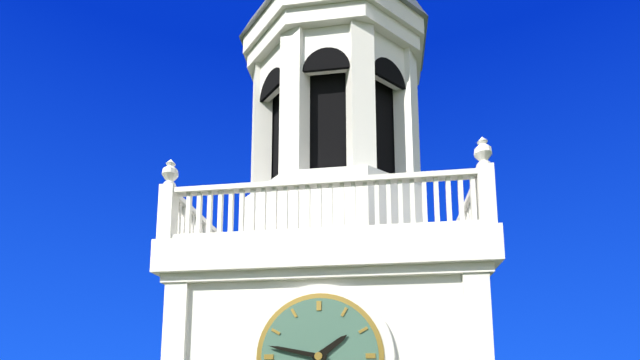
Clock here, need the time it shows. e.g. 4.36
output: 1.47
